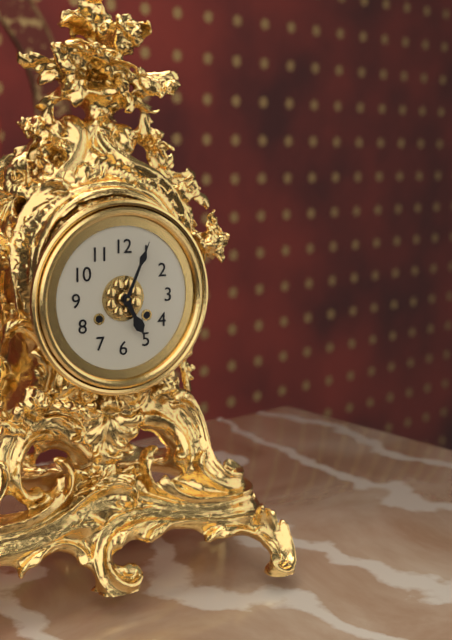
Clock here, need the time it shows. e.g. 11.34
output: 5.04
